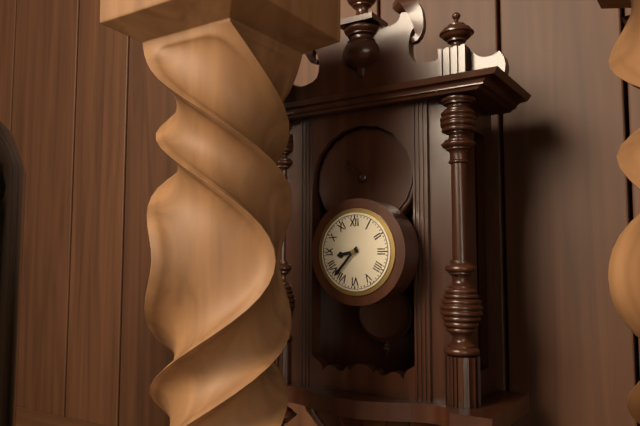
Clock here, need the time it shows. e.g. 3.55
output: 8.37
